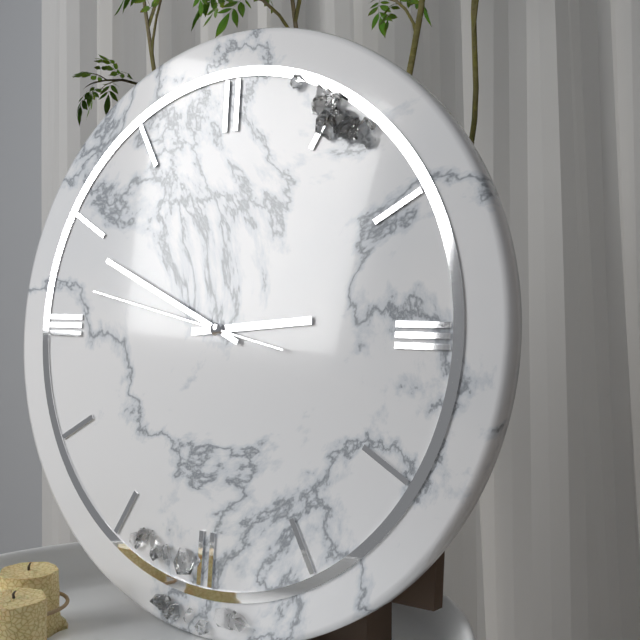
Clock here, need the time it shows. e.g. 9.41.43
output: 2.49.47
